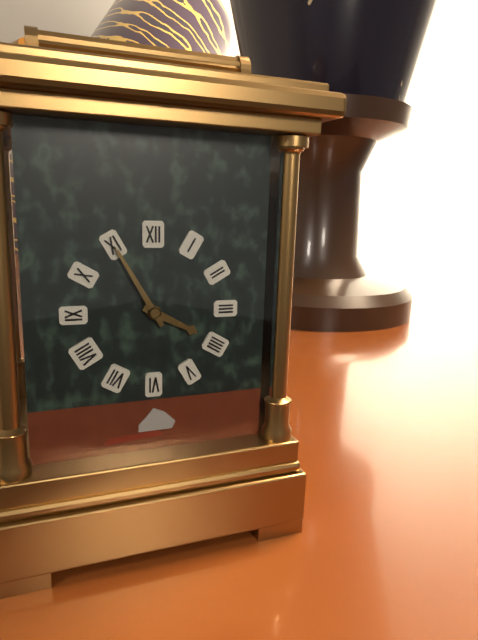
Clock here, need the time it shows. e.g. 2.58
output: 3.55
